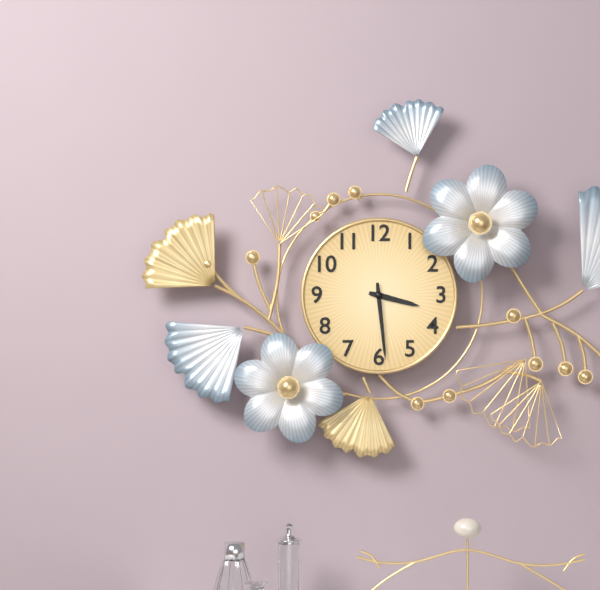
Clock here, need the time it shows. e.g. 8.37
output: 3.29
